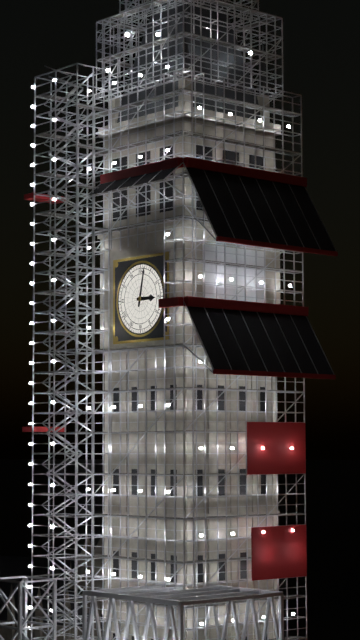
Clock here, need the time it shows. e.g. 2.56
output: 3.02
